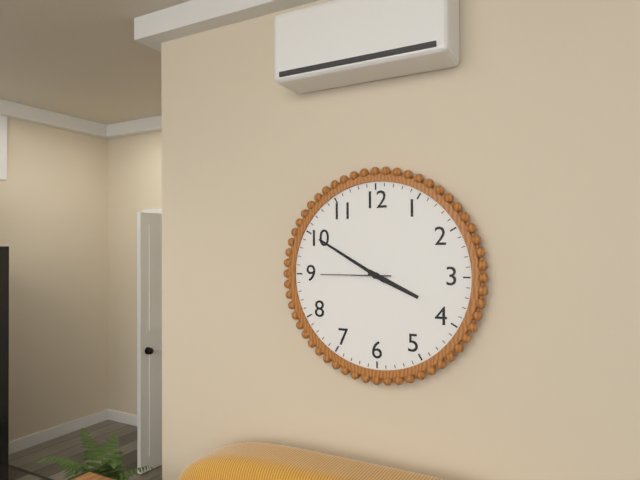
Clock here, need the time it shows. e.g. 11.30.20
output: 3.50.45
